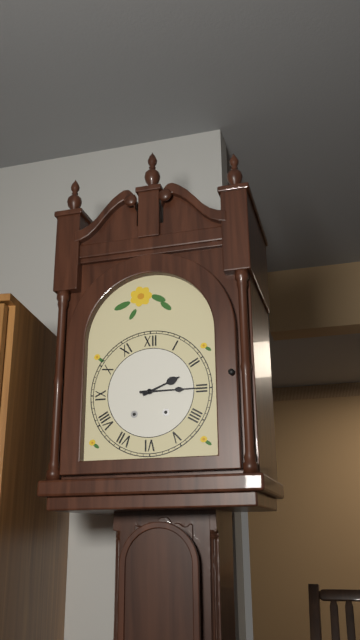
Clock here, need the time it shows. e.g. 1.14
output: 2.15
